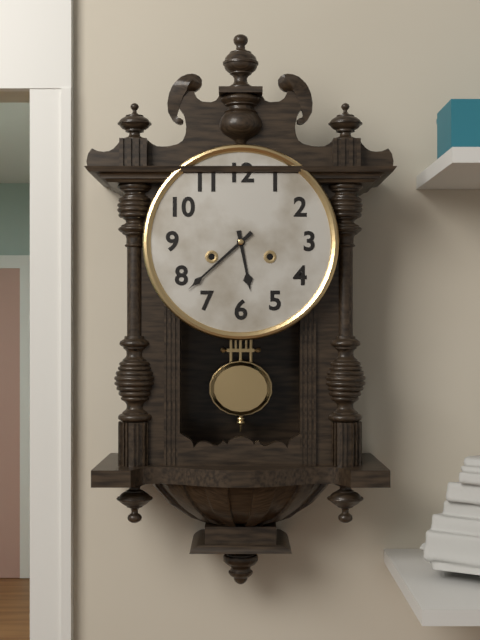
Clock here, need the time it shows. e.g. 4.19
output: 5.38
